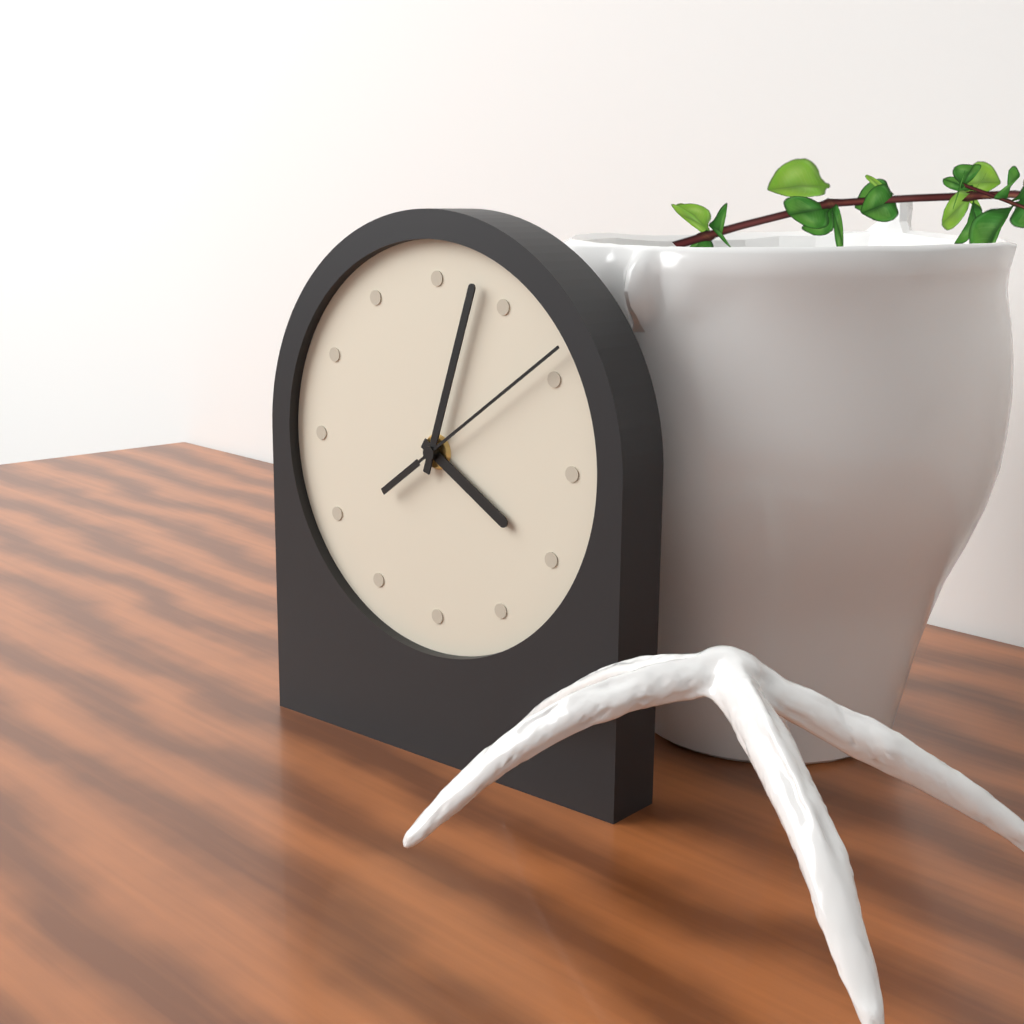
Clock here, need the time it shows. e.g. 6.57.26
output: 4.03.09
